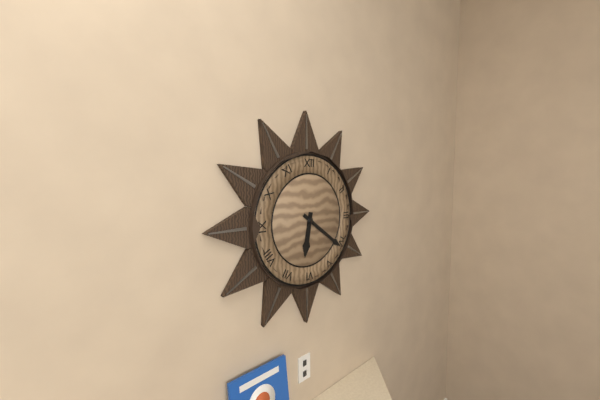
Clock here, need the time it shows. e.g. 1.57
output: 6.21
